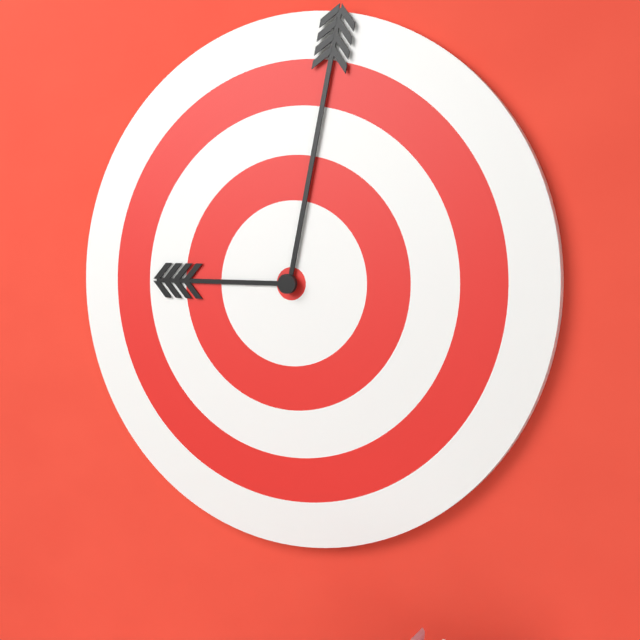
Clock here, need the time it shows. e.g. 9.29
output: 9.02
